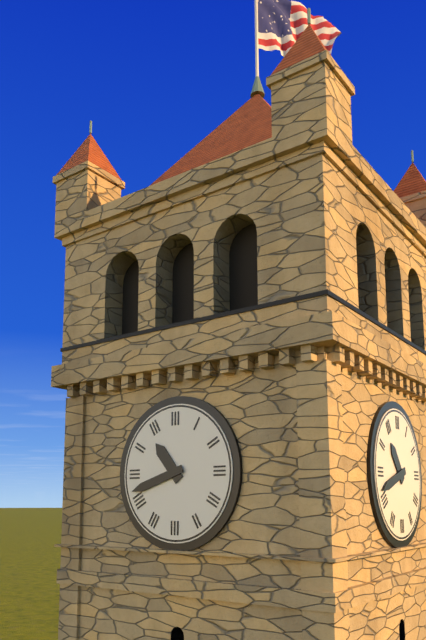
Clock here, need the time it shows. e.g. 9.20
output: 10.42
